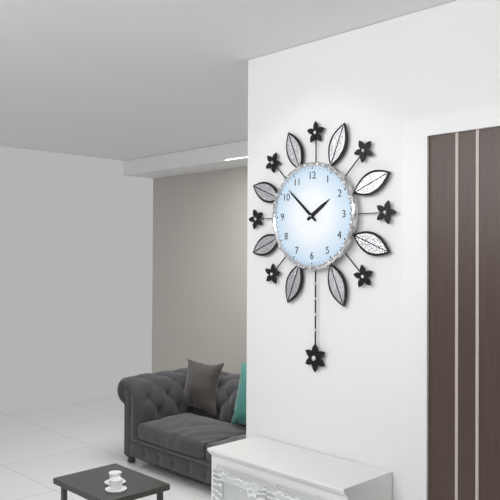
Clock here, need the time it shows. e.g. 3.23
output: 1.52
